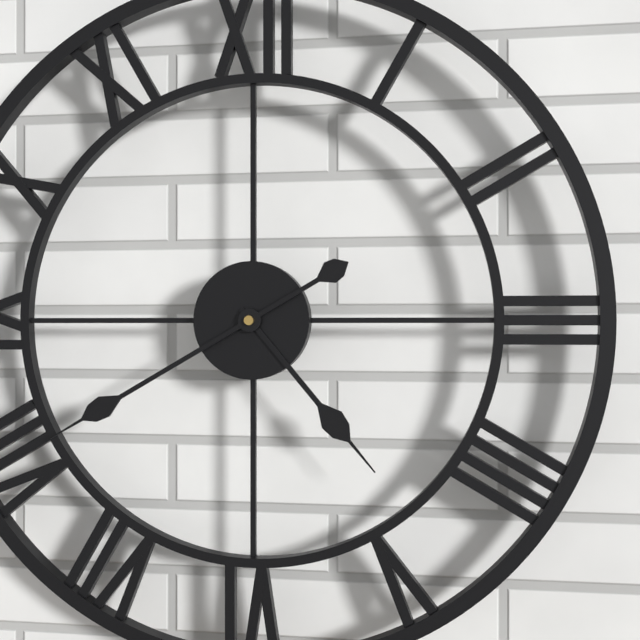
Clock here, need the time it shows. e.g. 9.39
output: 4.40
